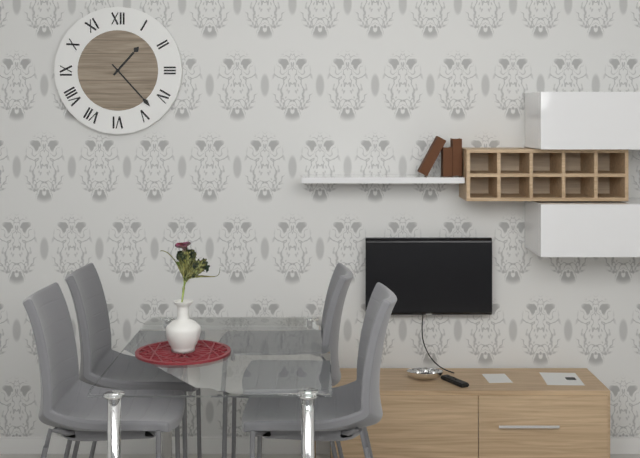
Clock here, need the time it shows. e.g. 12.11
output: 1.23
